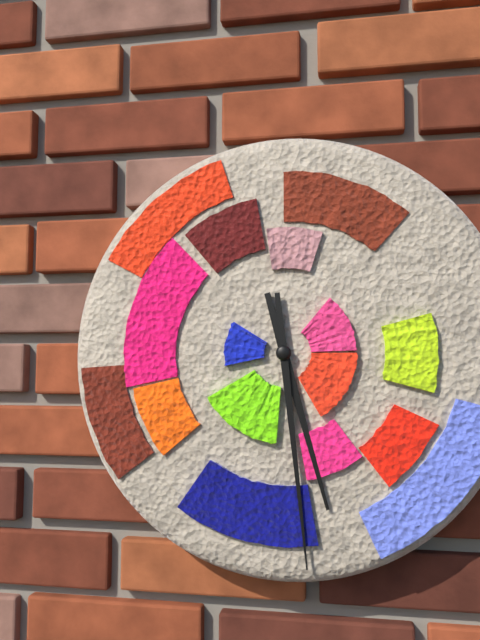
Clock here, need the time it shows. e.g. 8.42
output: 5.29
